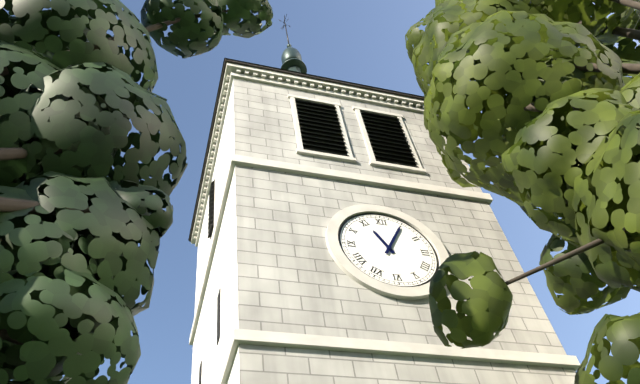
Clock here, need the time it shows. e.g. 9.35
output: 11.05
